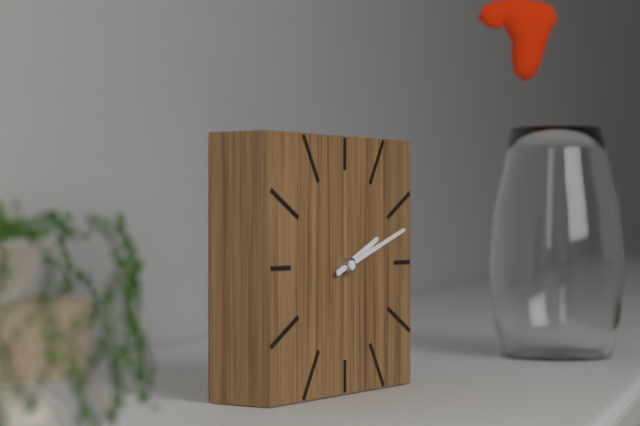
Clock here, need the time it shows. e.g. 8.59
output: 2.12
